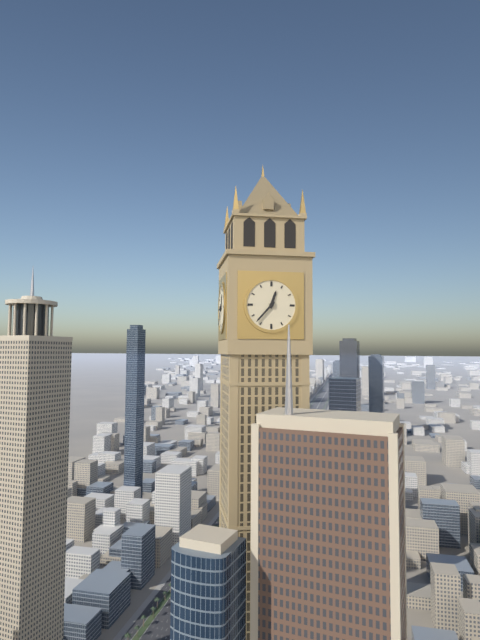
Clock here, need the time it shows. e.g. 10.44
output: 12.37
